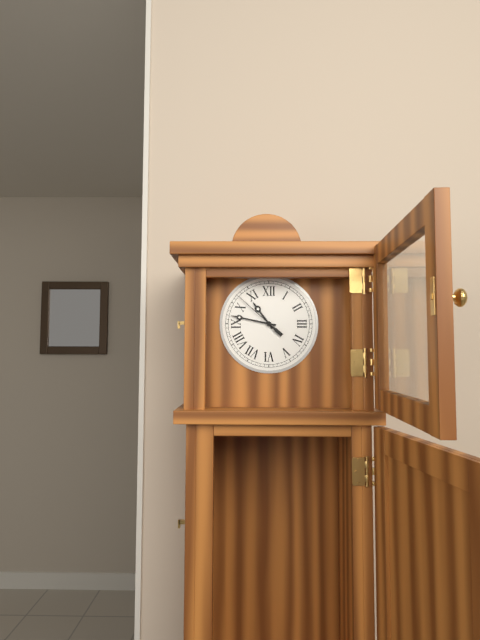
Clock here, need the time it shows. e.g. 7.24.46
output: 10.47.52
